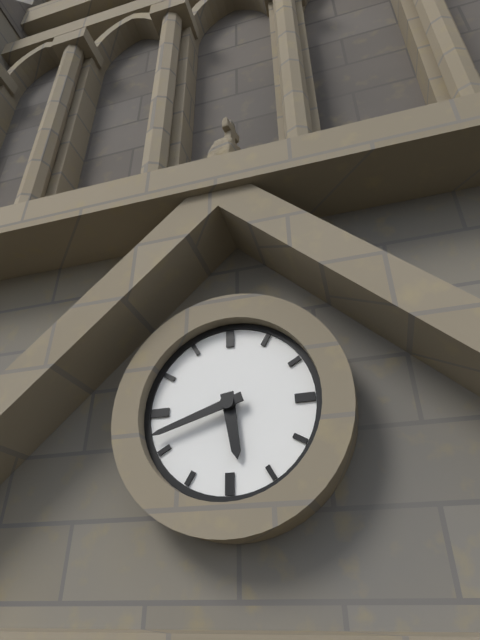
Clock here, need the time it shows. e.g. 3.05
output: 5.42
